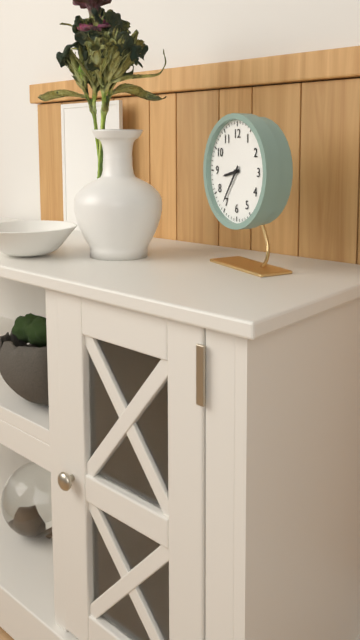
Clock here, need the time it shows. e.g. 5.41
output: 8.36
